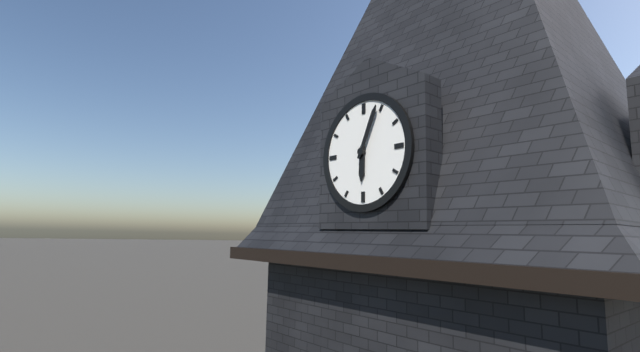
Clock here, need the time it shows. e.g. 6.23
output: 6.04
